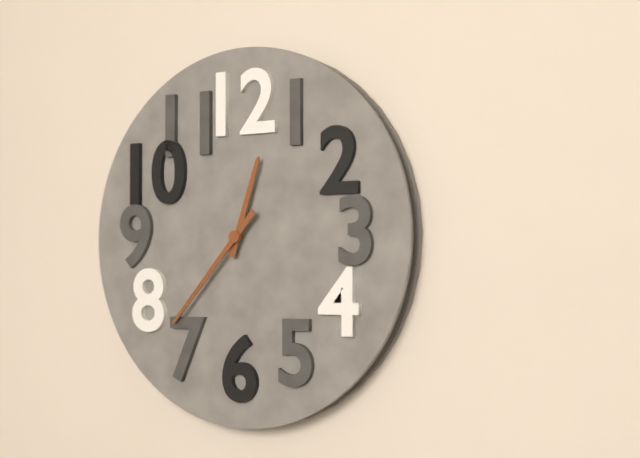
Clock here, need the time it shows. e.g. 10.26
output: 12.37
